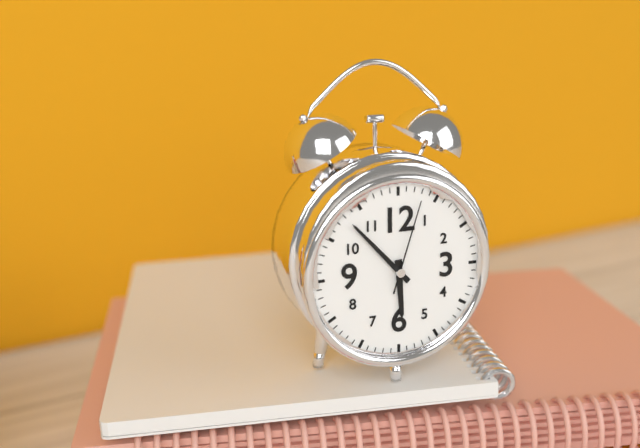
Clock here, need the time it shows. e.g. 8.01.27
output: 5.53.03
